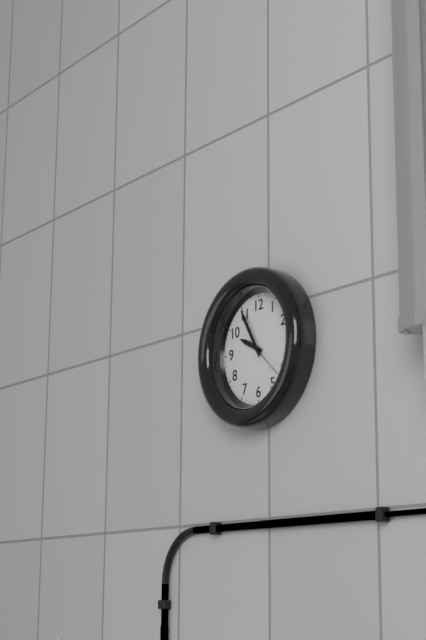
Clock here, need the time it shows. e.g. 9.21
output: 9.55
